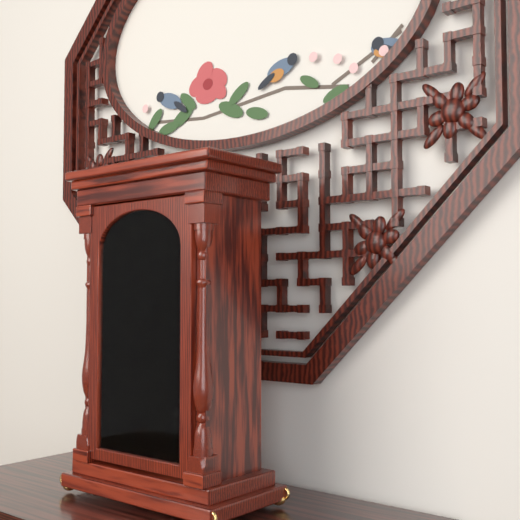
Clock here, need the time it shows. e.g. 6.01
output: 1.35
